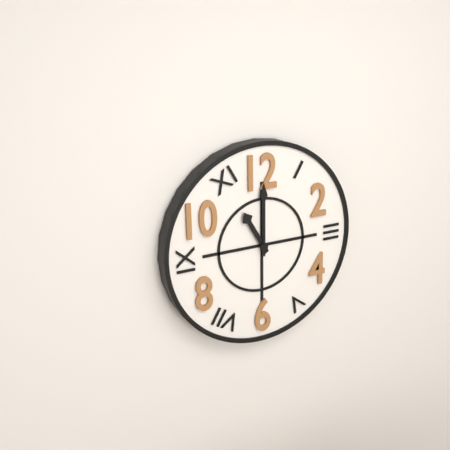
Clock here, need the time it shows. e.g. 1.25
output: 11.00
